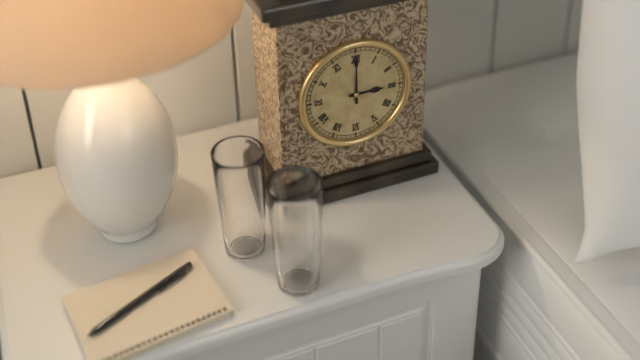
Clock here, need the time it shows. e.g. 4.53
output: 3.00
